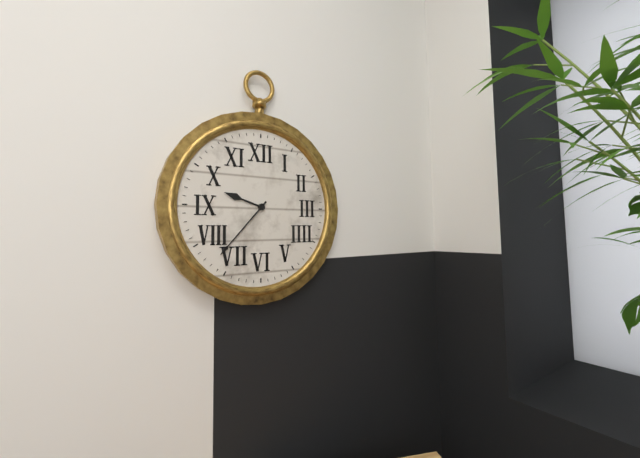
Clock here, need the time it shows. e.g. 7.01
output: 9.37
